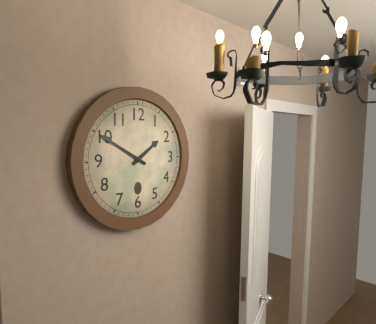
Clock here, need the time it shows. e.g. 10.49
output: 1.50
